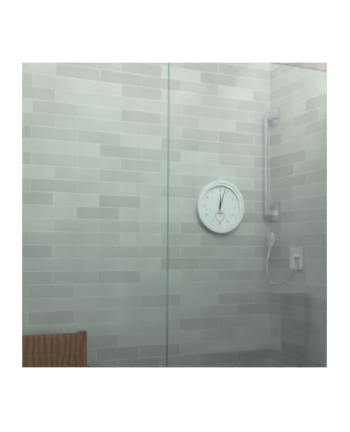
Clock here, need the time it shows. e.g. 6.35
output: 12.03
